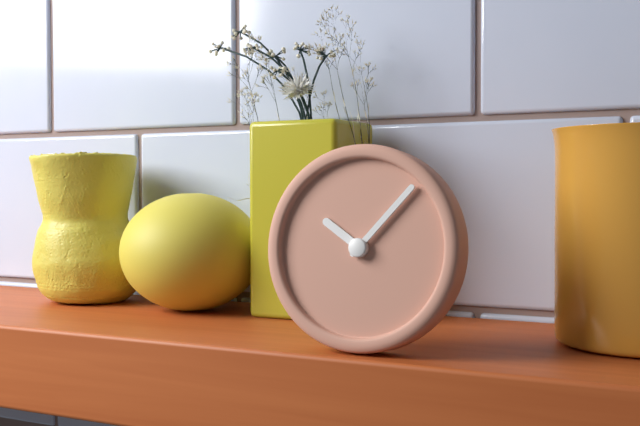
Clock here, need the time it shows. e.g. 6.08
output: 10.07
